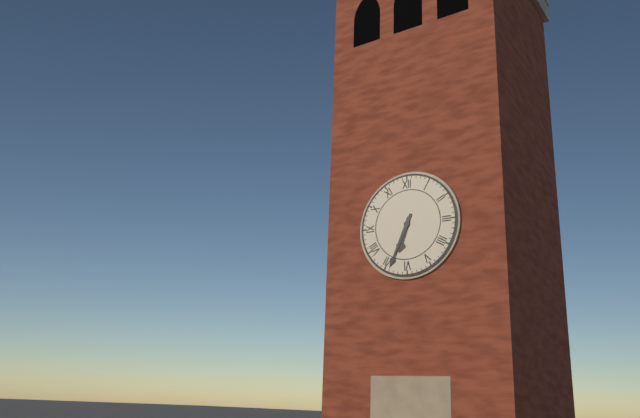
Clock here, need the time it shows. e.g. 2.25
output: 6.34
